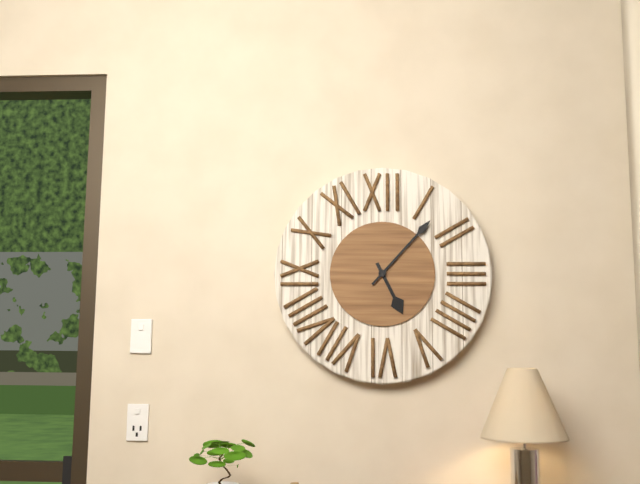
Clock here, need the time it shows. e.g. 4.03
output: 5.07
